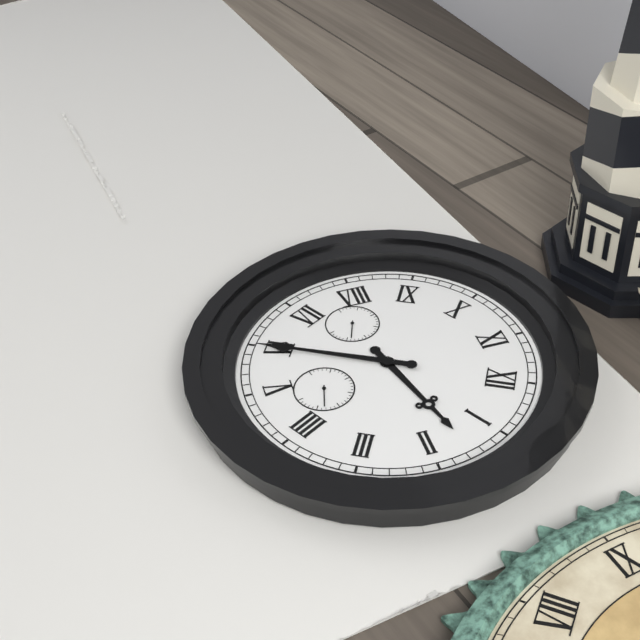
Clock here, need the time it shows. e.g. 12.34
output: 1.30
